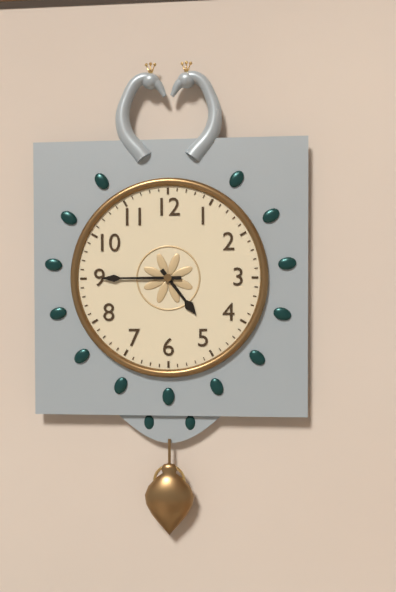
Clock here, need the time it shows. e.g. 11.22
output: 4.45
